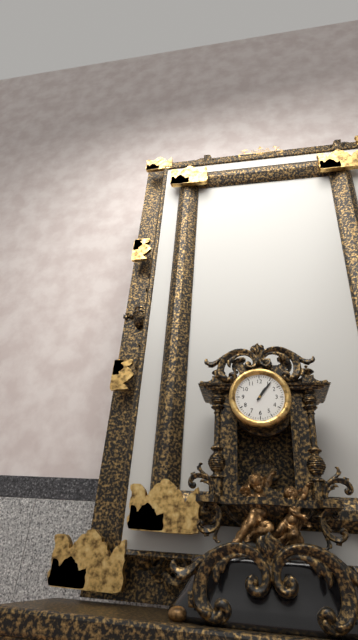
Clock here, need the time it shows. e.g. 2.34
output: 1.06
